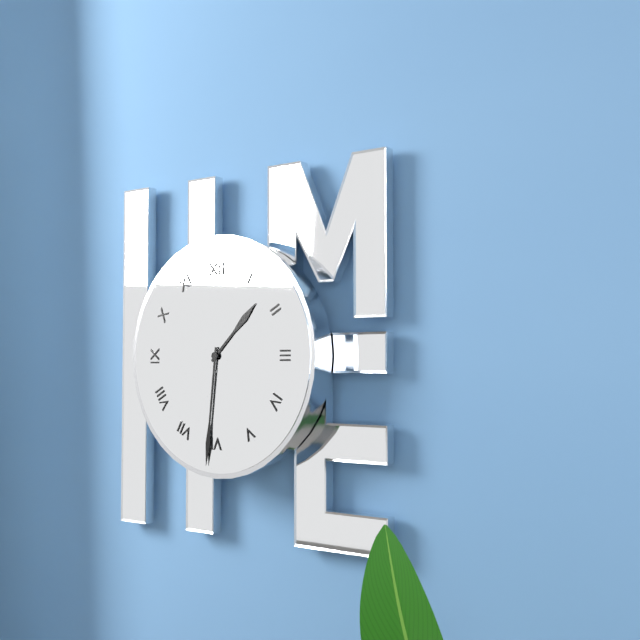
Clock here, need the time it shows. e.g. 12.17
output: 1.31
